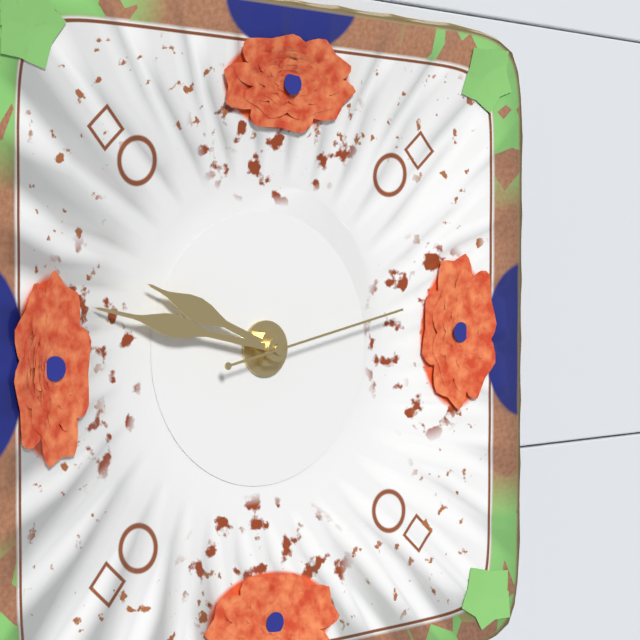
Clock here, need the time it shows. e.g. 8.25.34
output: 9.47.13
